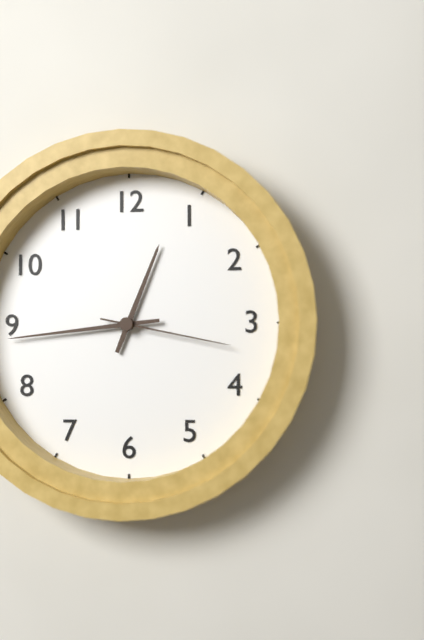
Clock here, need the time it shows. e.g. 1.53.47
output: 12.44.17
